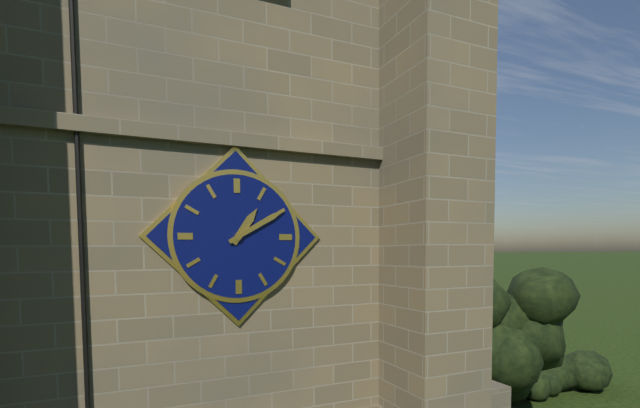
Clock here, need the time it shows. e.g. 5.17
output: 1.10
